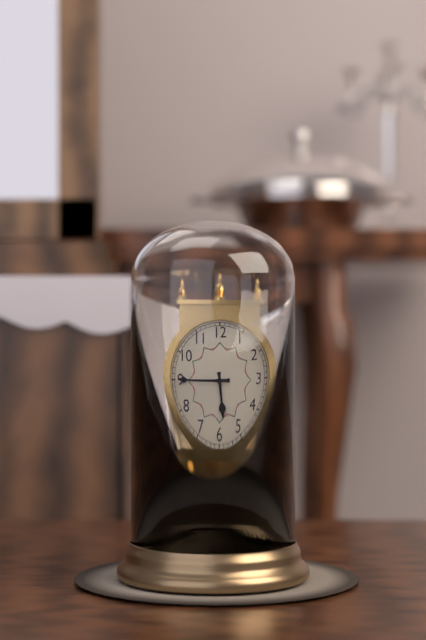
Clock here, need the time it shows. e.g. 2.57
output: 5.45
